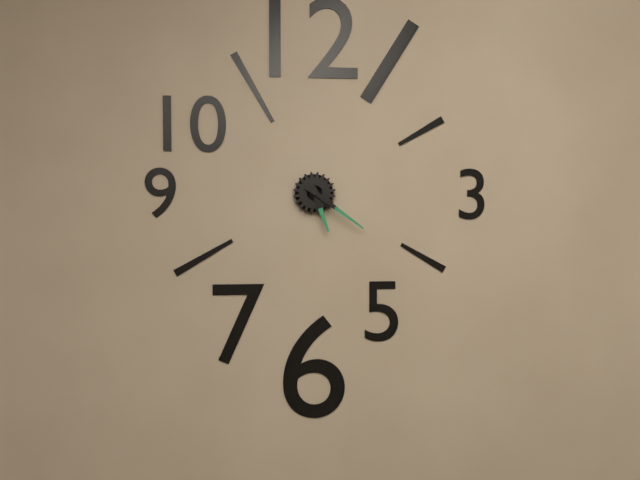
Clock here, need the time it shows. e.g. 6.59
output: 5.21
